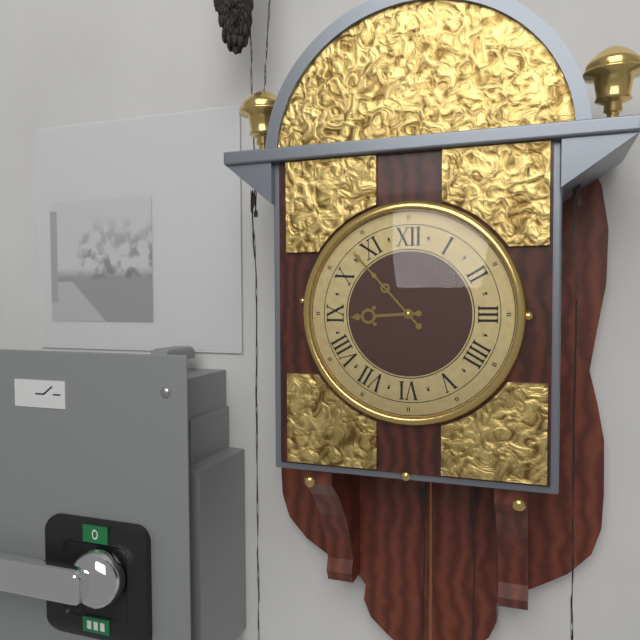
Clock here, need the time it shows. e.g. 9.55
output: 8.53
